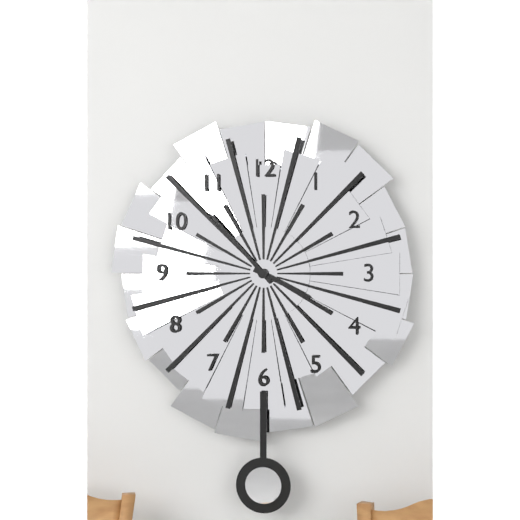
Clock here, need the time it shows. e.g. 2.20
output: 3.53
